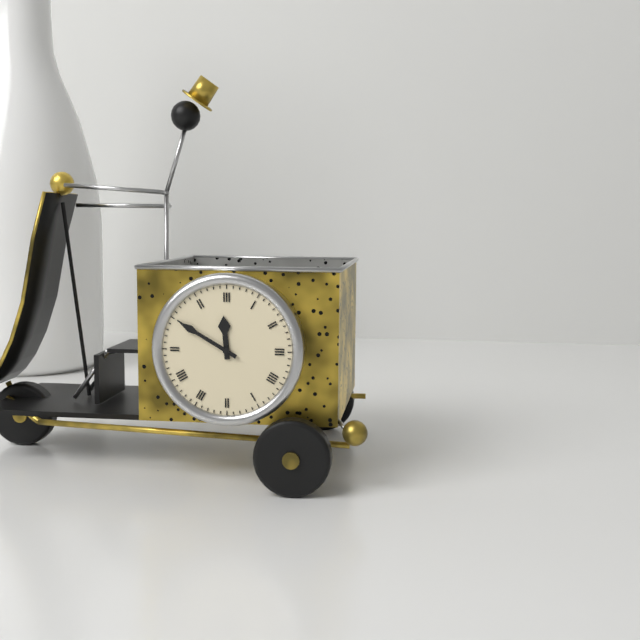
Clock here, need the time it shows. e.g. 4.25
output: 11.50
